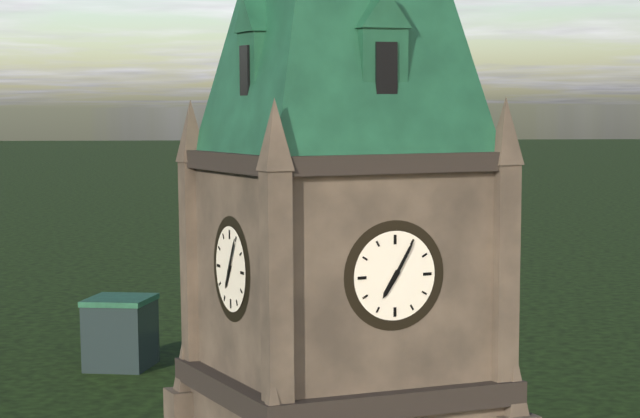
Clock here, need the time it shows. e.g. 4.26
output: 7.05
